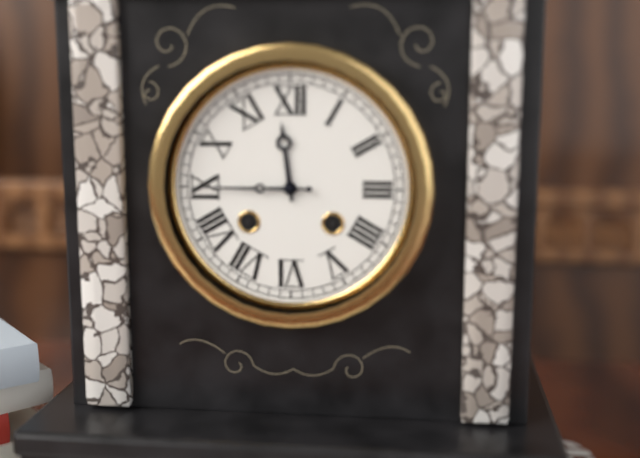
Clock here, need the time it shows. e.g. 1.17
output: 11.45
